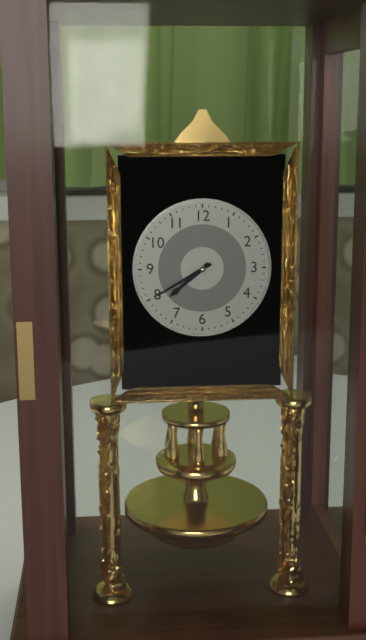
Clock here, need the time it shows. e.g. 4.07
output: 7.40
